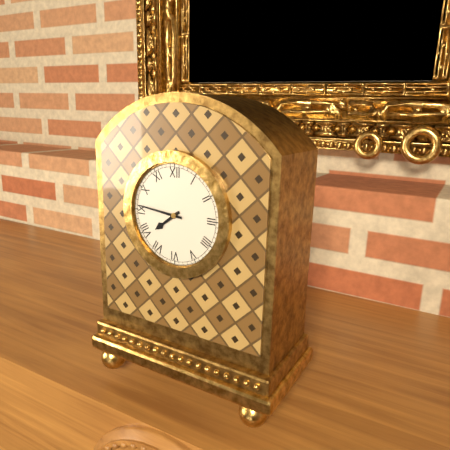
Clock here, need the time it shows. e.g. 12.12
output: 7.46
